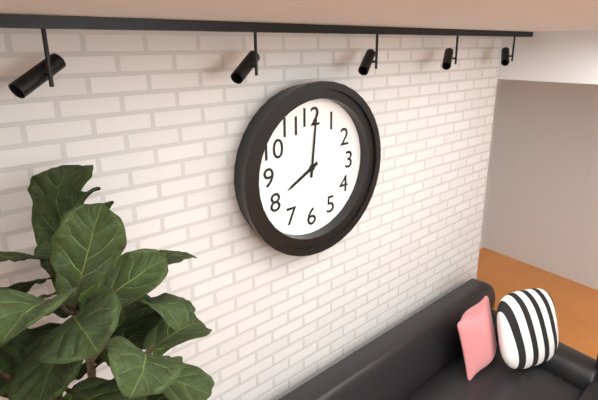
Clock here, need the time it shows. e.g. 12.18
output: 8.01
